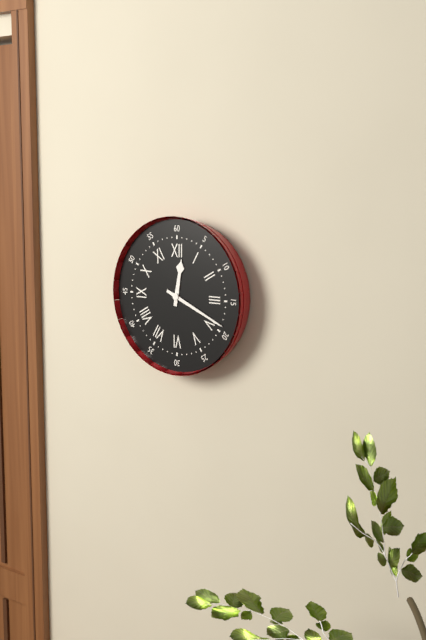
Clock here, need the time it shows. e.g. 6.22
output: 12.19
